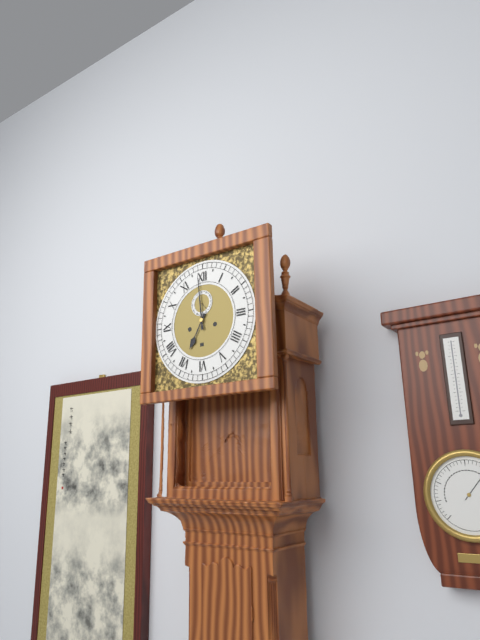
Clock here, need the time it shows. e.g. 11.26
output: 6.59
